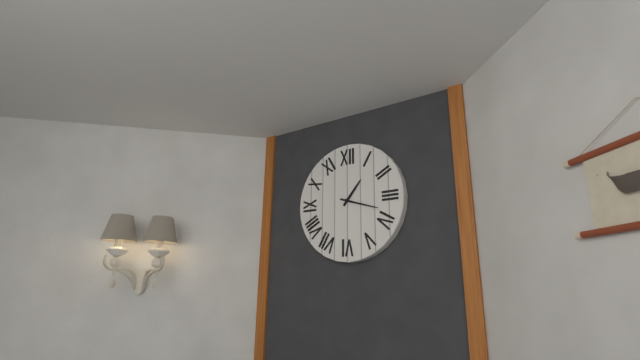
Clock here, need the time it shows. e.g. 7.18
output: 1.18
